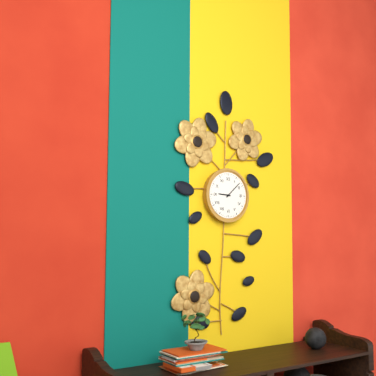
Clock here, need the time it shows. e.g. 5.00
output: 9.08
